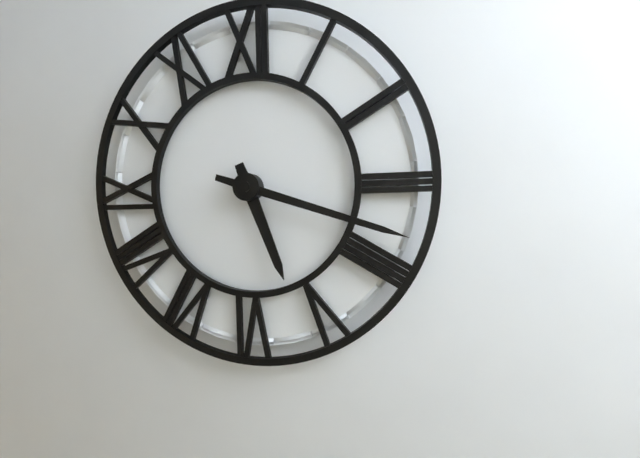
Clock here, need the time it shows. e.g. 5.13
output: 5.18
